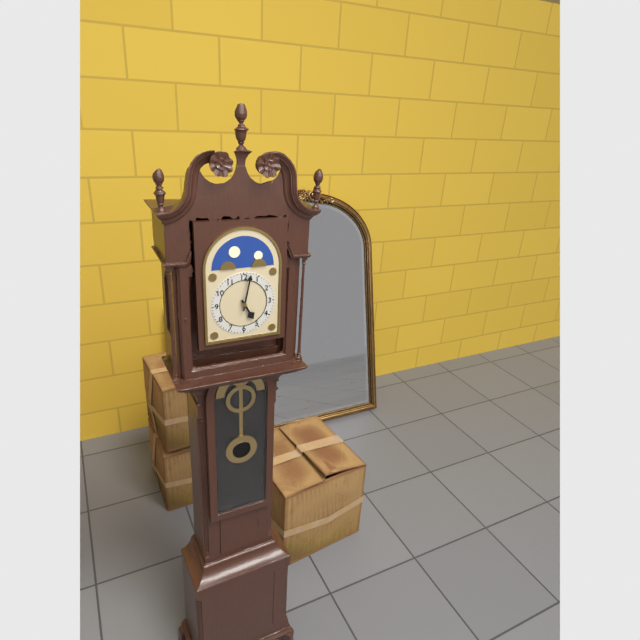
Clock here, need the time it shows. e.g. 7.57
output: 5.02
